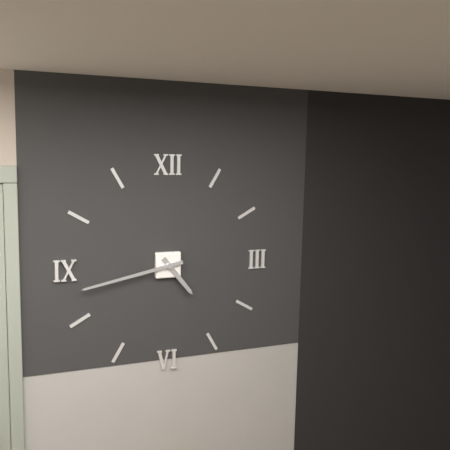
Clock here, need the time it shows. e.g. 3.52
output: 4.43
